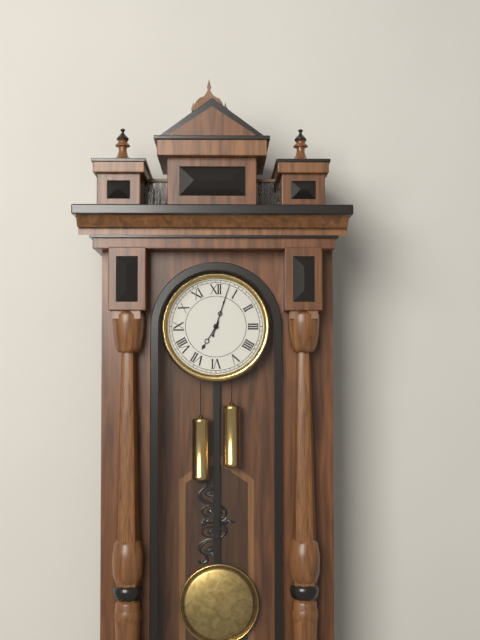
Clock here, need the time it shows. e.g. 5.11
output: 7.03
